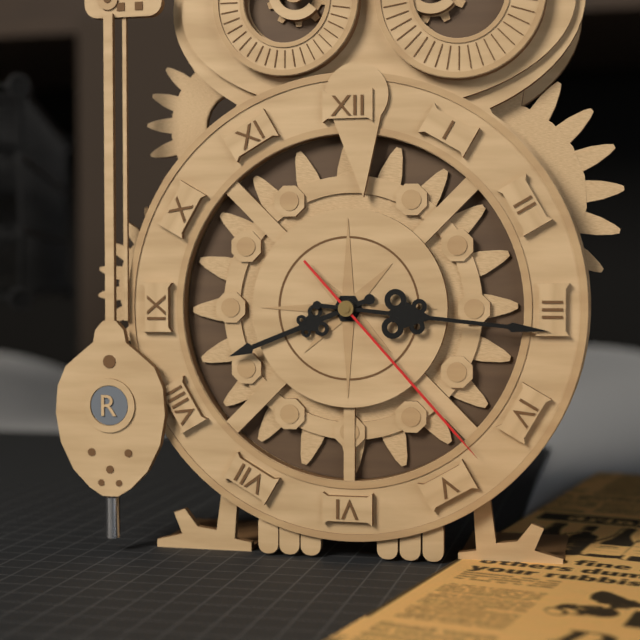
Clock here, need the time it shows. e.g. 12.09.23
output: 8.16.23
